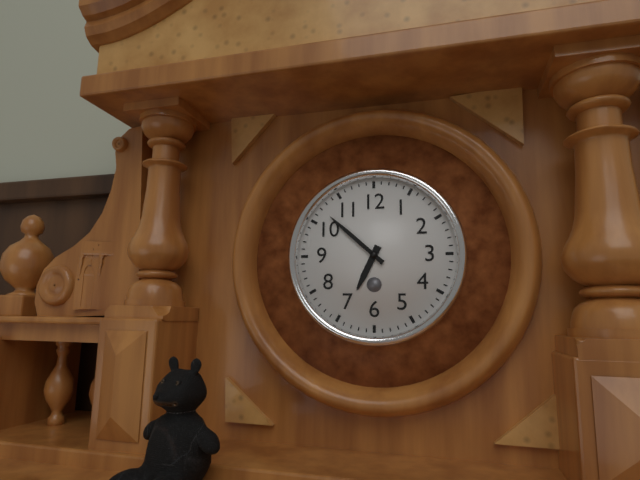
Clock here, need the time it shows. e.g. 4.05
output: 6.52
